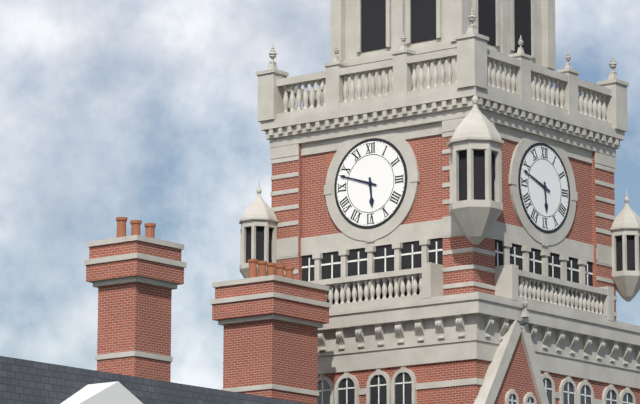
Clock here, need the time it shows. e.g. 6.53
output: 5.48
